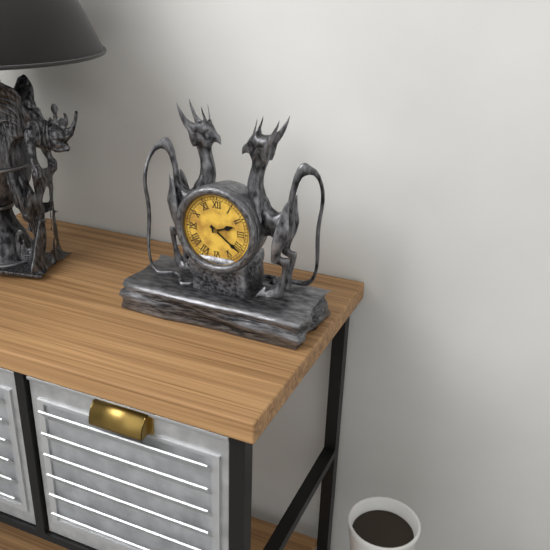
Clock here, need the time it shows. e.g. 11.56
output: 2.21
